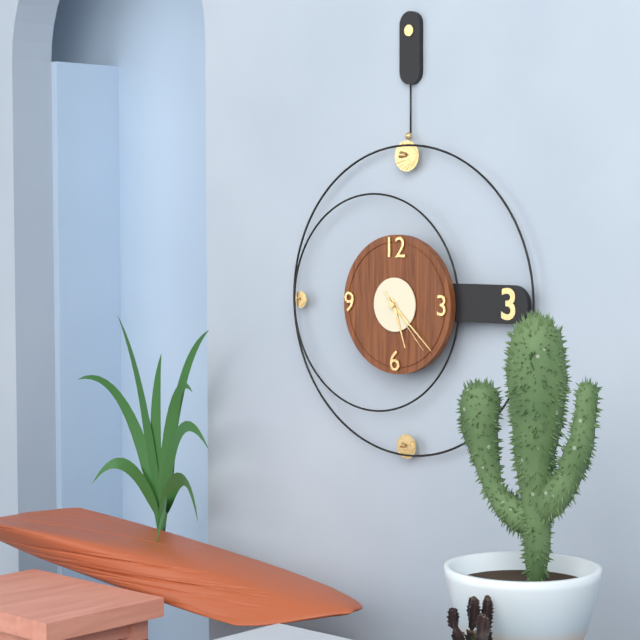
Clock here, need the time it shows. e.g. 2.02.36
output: 5.22.23
